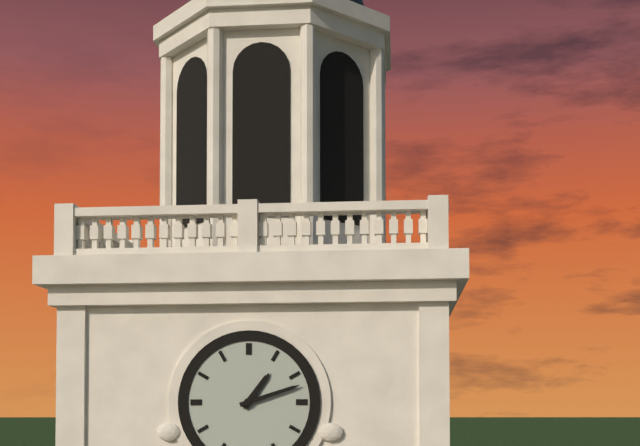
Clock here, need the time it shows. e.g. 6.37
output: 1.12
